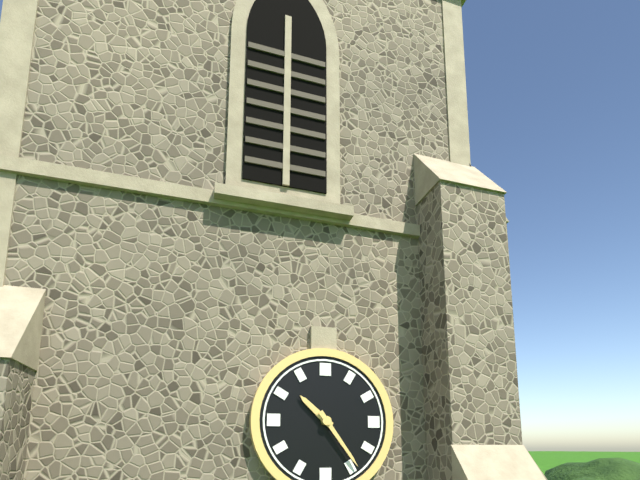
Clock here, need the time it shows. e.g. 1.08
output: 10.24
